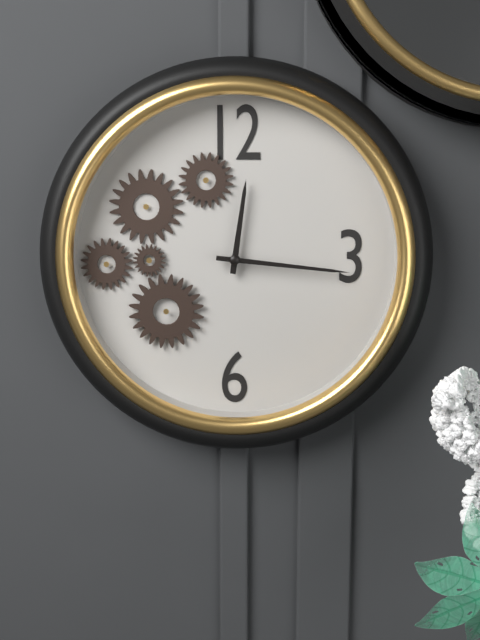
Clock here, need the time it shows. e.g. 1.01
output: 12.16
